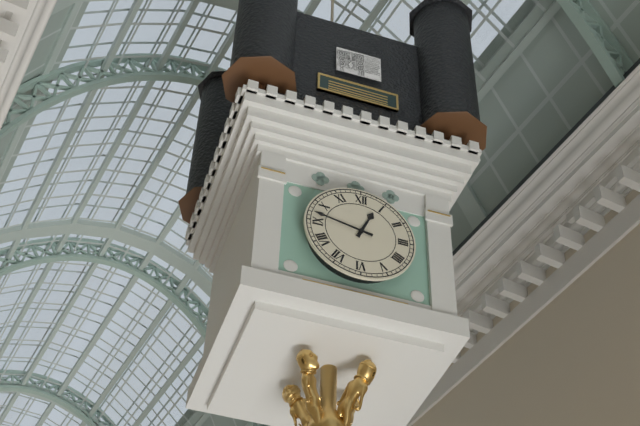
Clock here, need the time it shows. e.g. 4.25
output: 12.47
